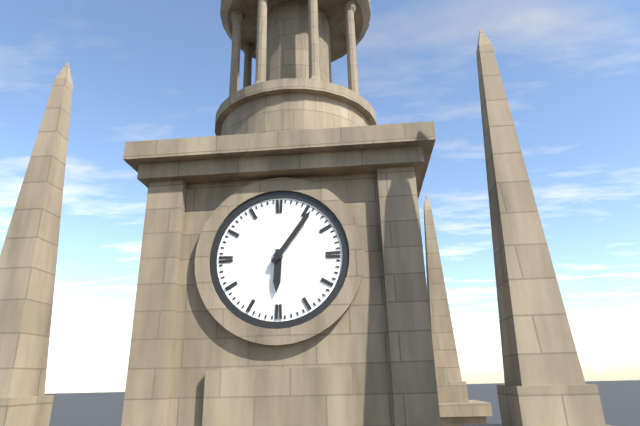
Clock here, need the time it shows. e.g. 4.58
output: 6.06
